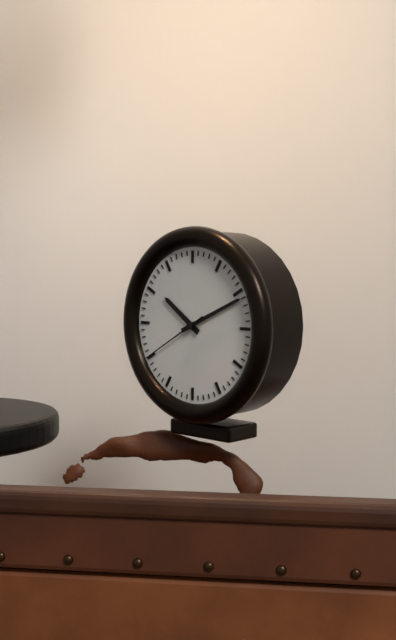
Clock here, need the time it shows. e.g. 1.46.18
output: 10.11.40
